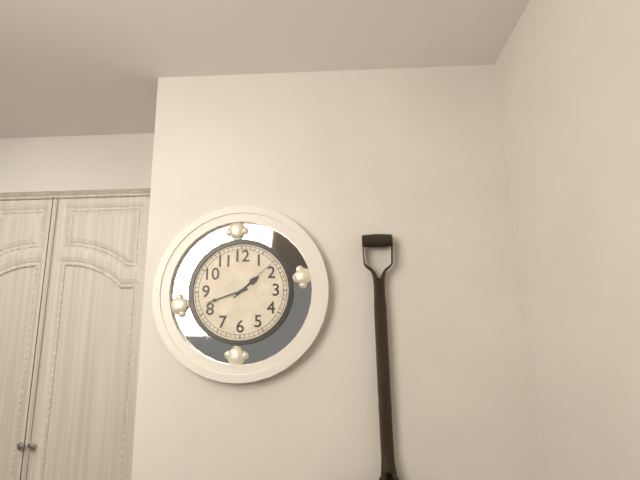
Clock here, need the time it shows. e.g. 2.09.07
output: 1.42.08
